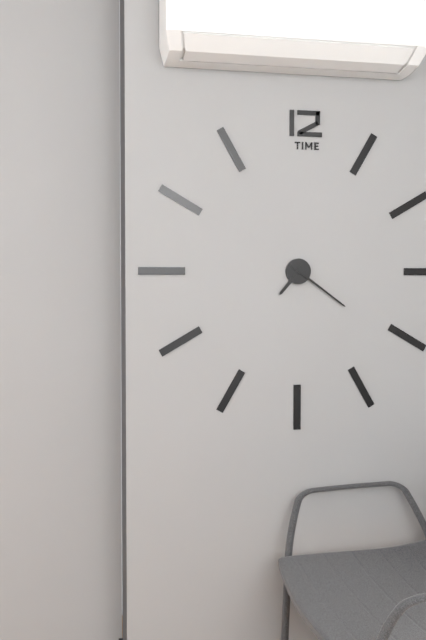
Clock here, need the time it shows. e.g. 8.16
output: 7.21
